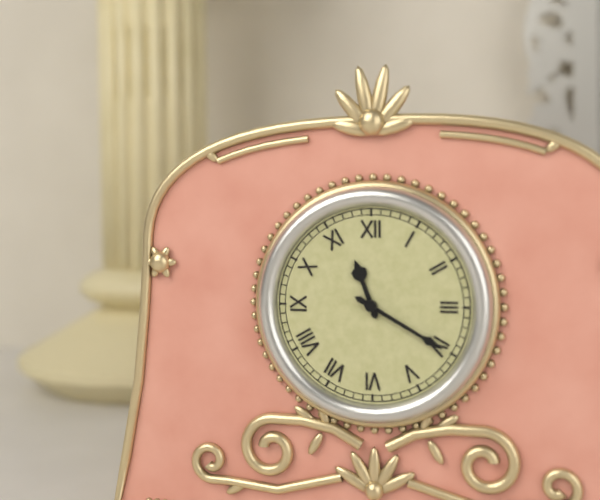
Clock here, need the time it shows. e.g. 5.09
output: 11.20
